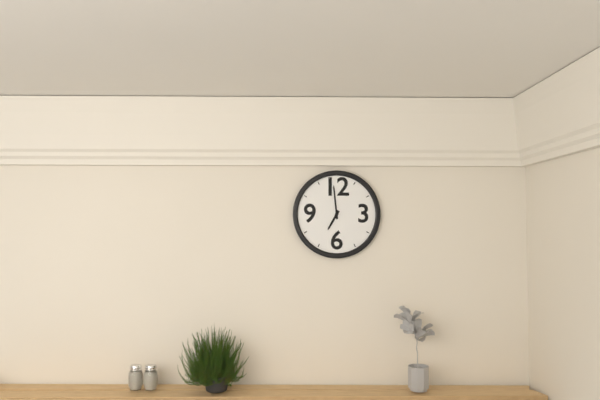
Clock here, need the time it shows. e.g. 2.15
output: 6.59
